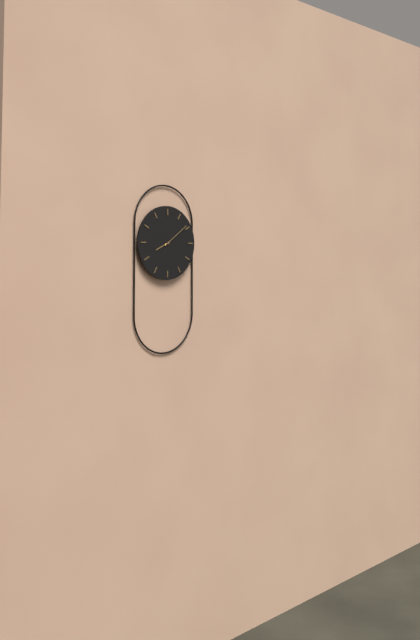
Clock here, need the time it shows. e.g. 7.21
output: 8.09
